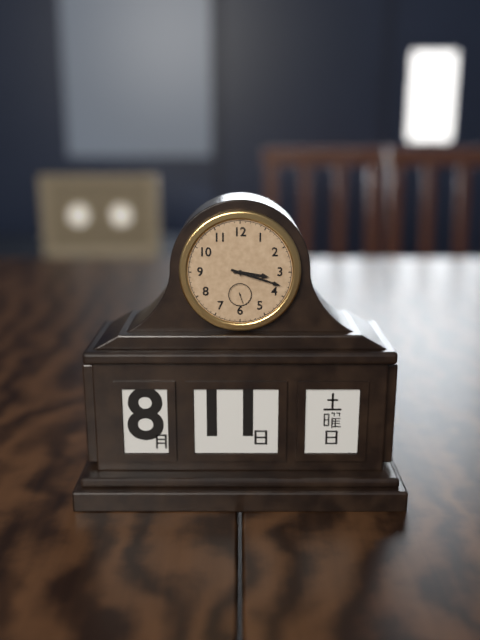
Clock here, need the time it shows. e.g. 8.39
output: 3.18
